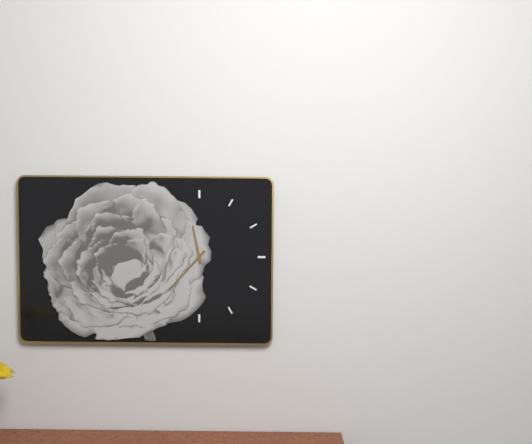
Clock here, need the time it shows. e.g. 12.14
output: 11.37
